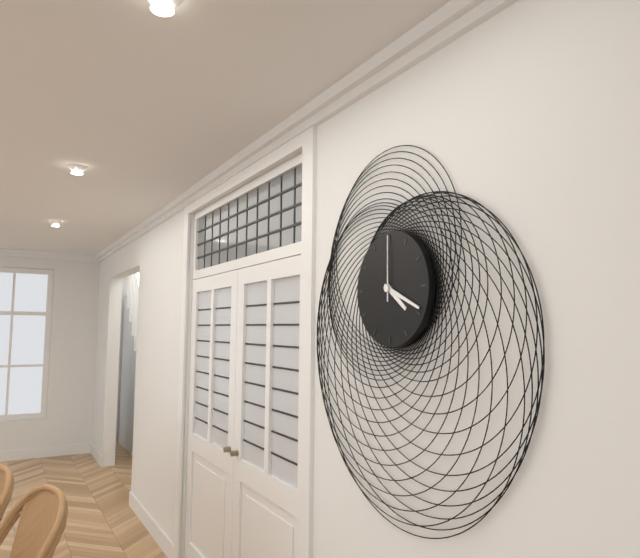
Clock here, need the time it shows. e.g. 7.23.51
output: 4.19.00
